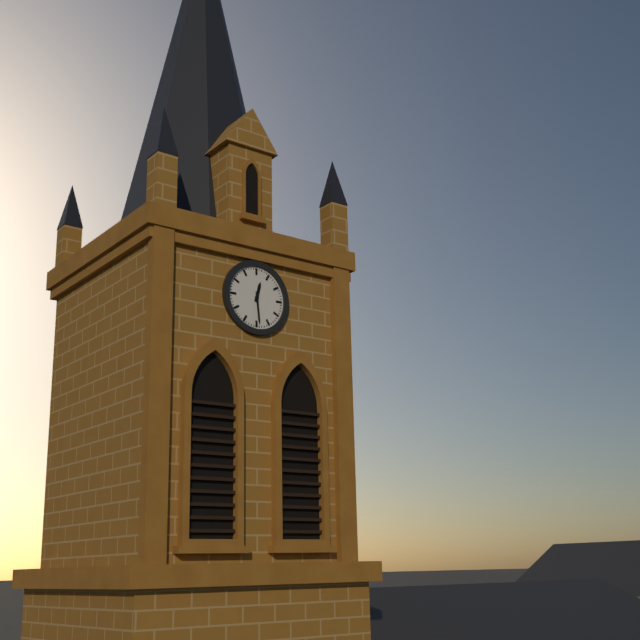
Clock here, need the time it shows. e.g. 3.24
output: 12.29
